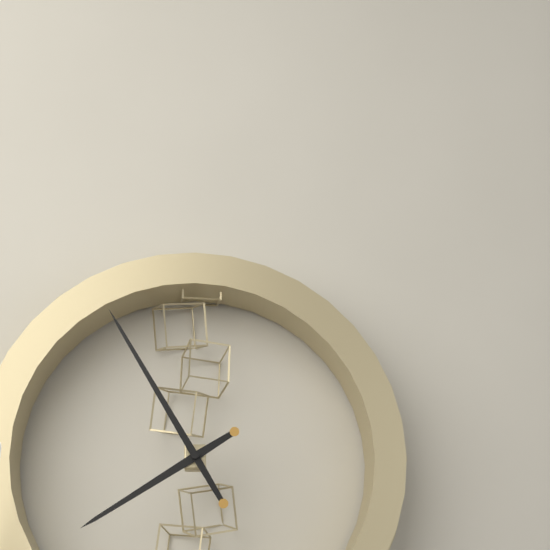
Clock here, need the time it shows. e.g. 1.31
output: 7.55
